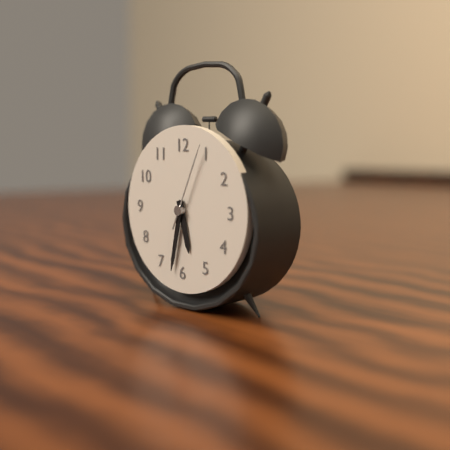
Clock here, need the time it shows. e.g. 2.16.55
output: 5.32.04
